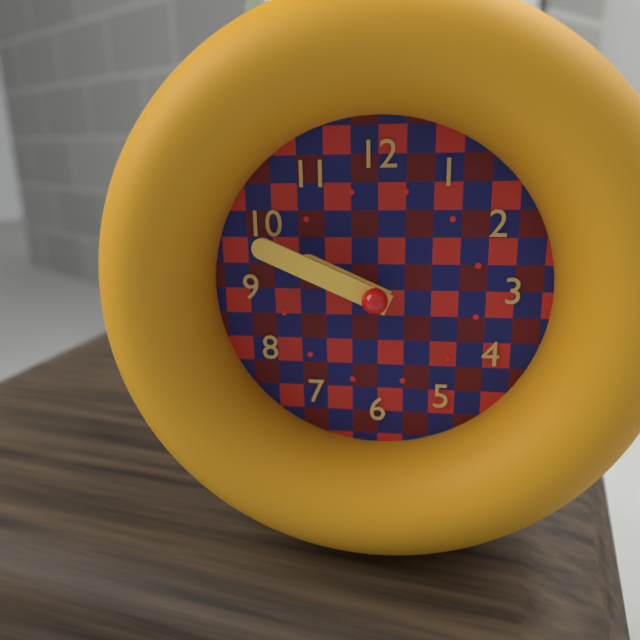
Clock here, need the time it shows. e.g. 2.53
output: 9.49
